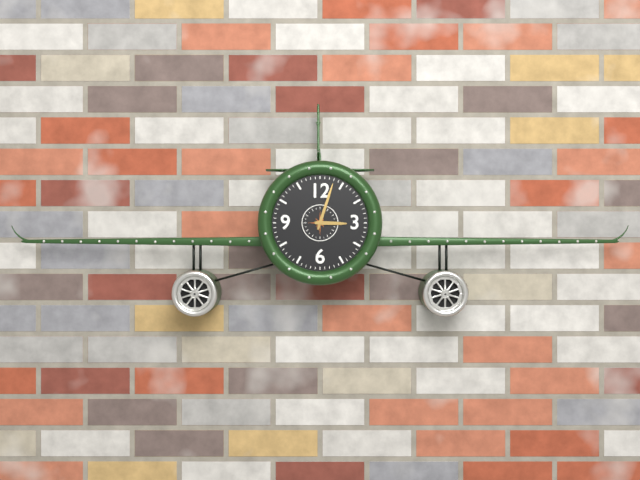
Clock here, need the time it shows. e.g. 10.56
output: 3.03
